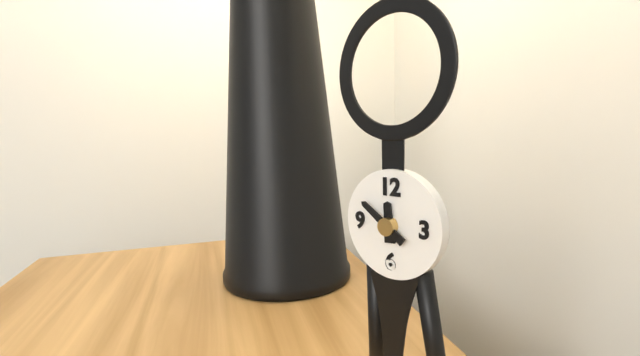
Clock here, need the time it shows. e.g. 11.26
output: 11.51
